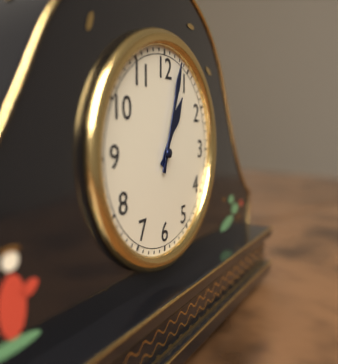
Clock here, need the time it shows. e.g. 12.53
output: 1.03
